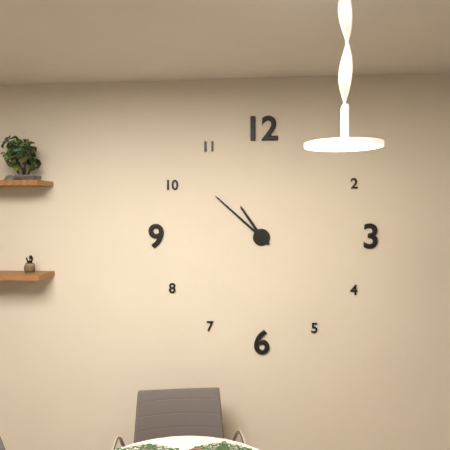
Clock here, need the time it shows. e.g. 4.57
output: 10.52
